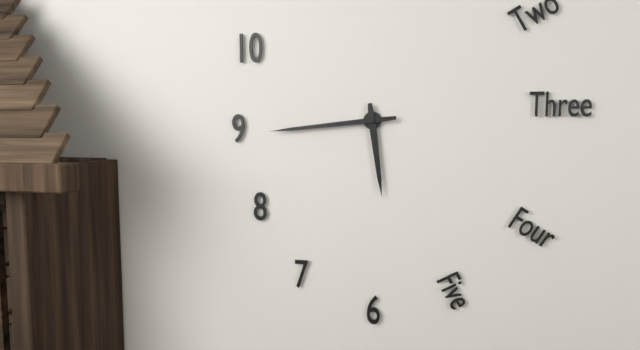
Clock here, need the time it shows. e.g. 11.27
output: 5.44
